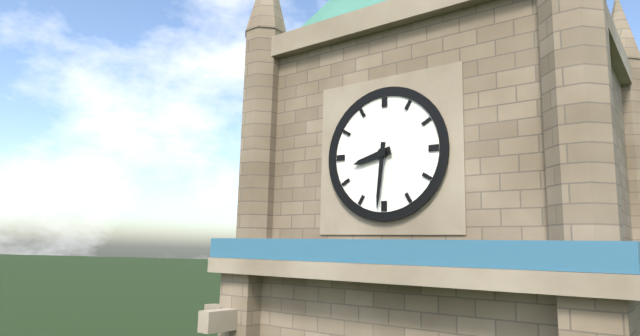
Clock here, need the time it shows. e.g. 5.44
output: 8.31
